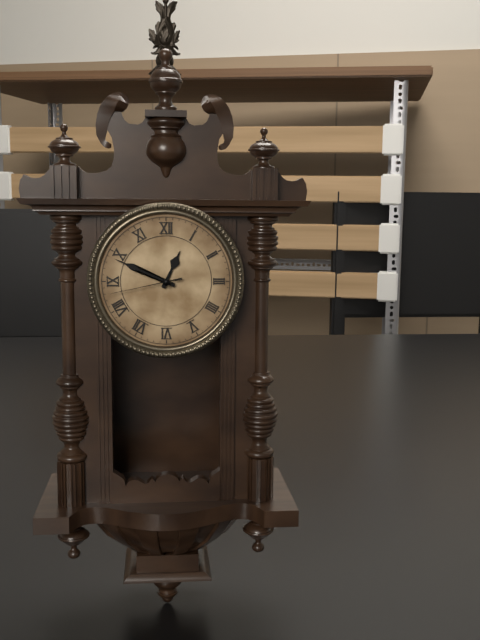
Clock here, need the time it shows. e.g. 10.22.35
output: 12.49.43
